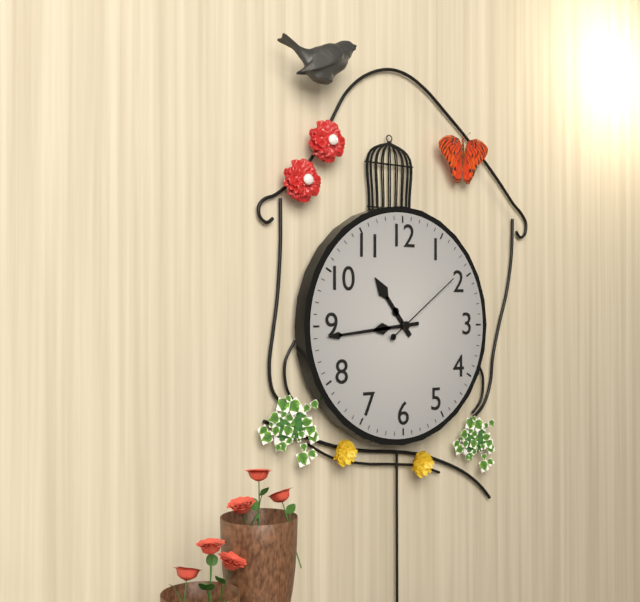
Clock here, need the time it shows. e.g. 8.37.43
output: 10.44.09
